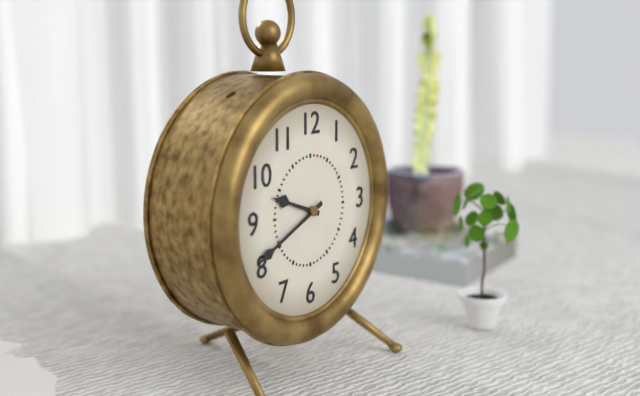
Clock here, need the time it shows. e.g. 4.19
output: 9.41
